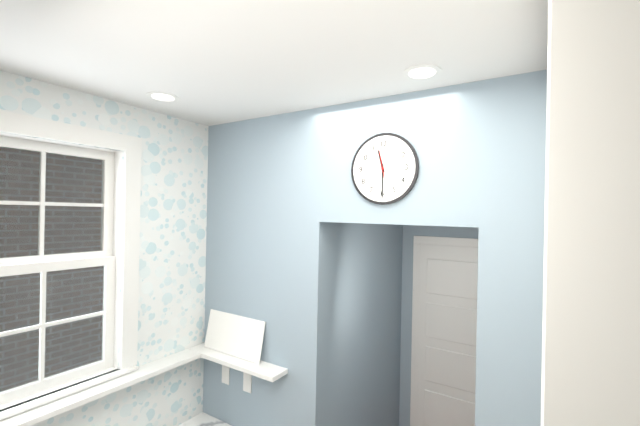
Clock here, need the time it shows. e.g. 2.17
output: 11.30
